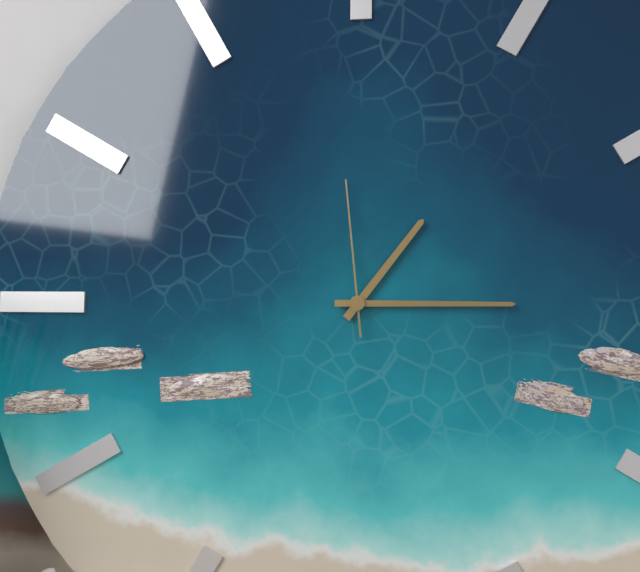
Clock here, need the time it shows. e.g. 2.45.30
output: 1.15.59
